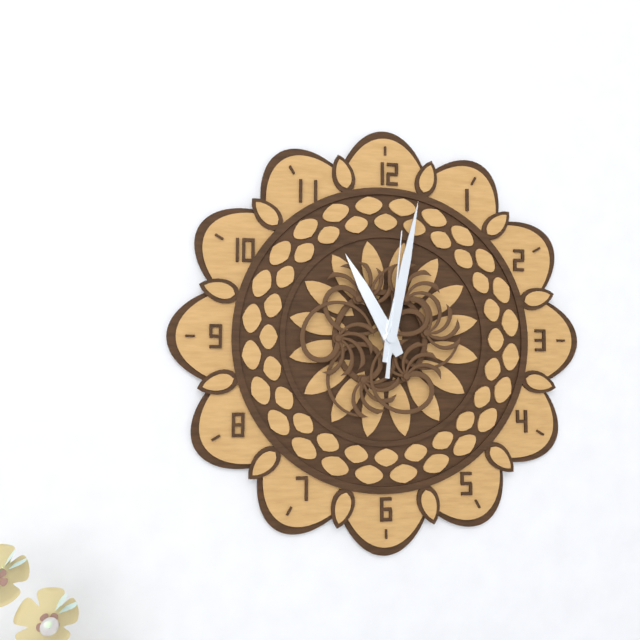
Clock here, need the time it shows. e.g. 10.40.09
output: 11.02.01
